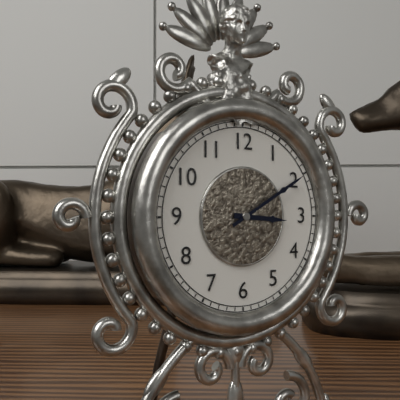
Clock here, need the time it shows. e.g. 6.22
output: 3.10
